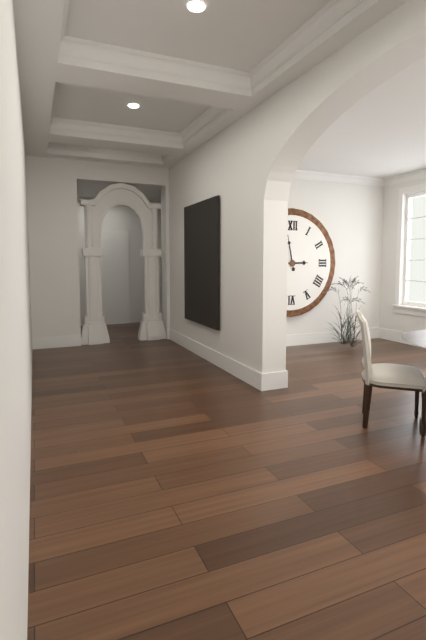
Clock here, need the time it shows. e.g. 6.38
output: 2.58
